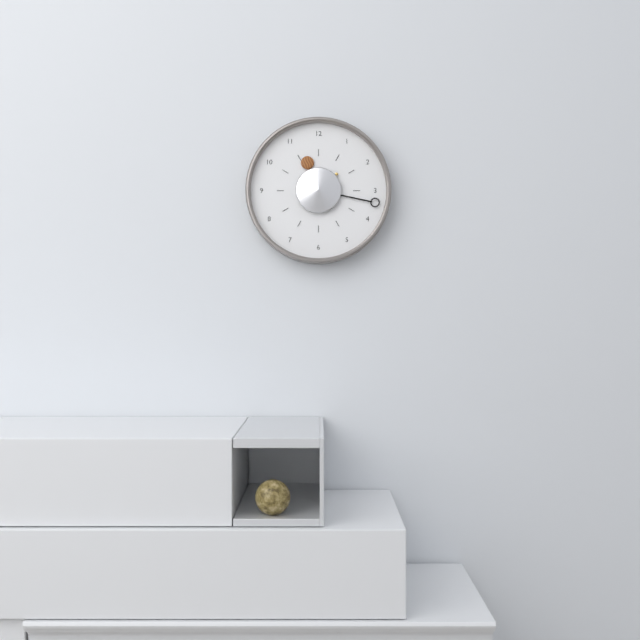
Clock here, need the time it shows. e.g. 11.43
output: 11.17
